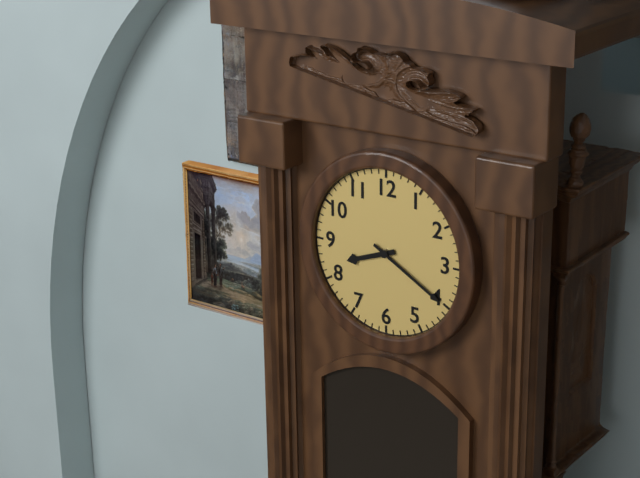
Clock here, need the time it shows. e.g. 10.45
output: 8.20
